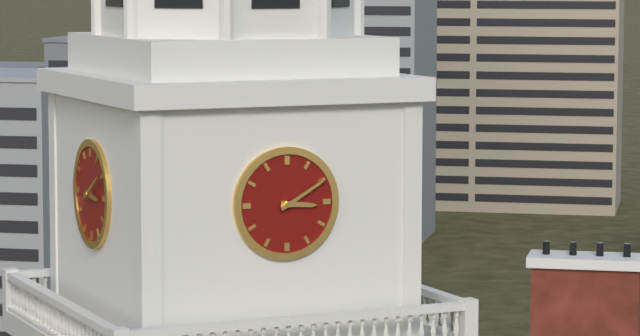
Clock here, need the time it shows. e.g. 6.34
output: 3.10
